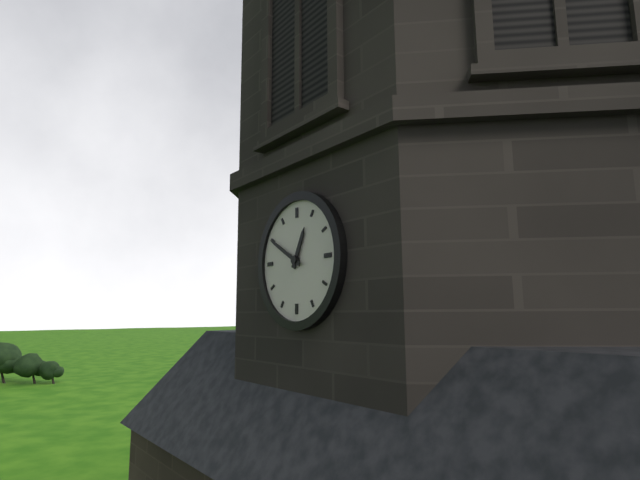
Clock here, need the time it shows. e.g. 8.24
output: 12.50
